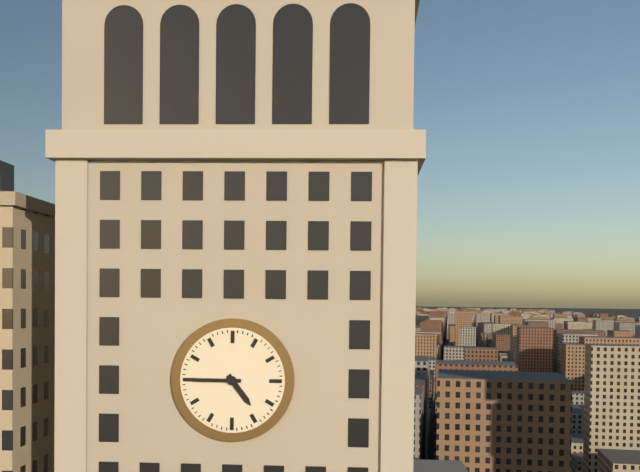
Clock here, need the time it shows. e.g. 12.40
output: 4.45
